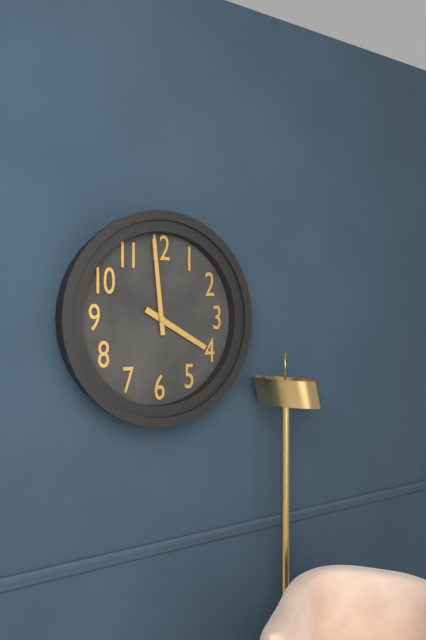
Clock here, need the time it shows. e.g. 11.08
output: 3.59
